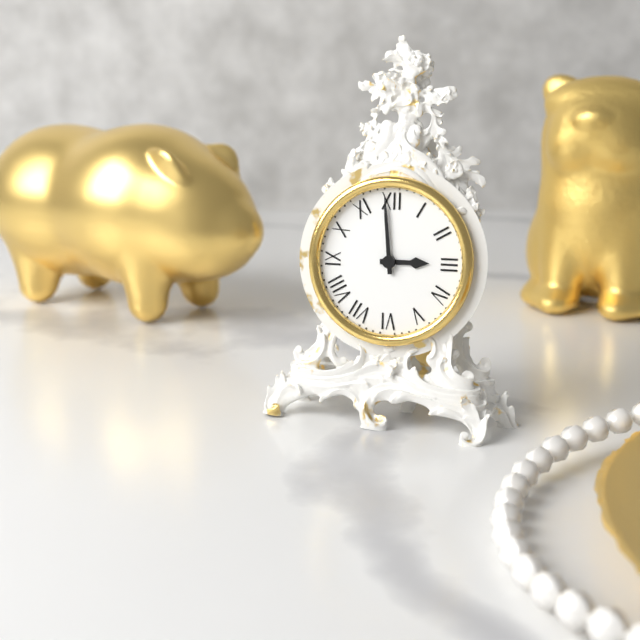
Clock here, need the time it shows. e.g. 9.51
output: 2.59
